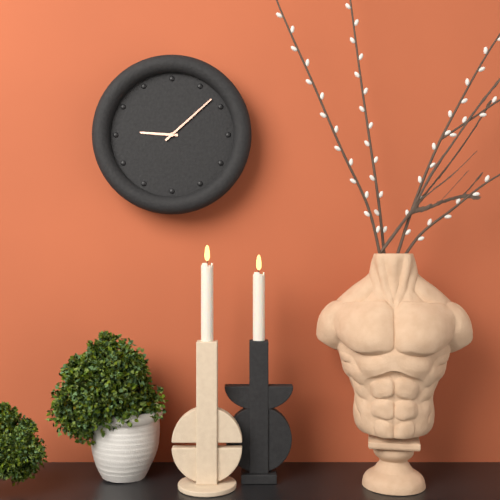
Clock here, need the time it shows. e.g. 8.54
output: 9.08
